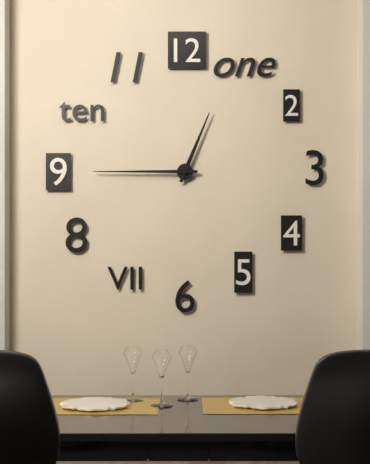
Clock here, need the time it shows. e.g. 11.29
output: 12.45
